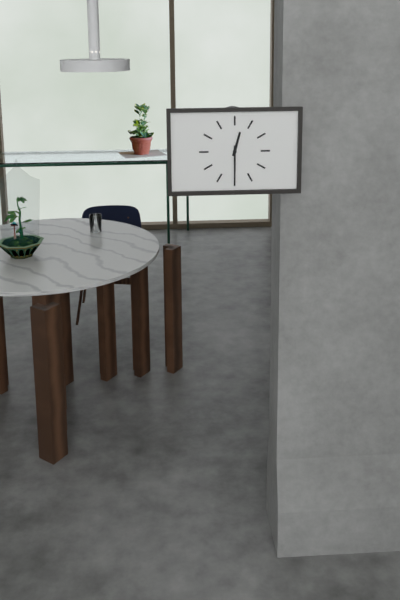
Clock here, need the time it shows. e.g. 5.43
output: 12.30
